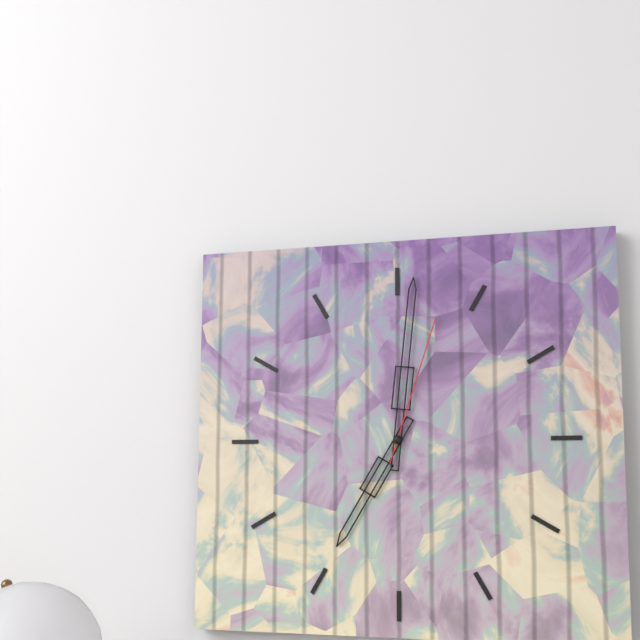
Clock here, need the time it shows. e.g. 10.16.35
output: 7.01.03
